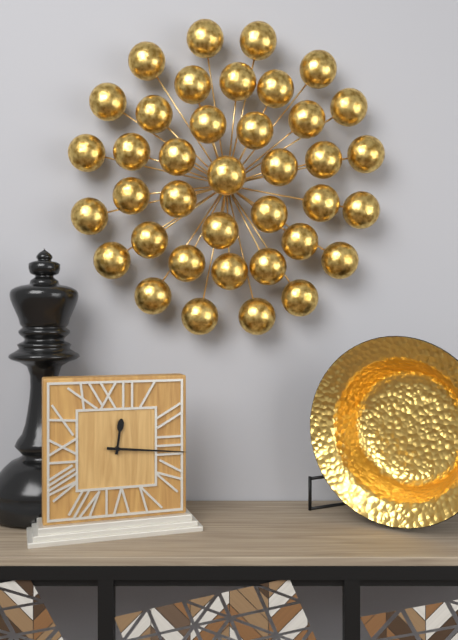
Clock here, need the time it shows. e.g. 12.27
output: 12.16
